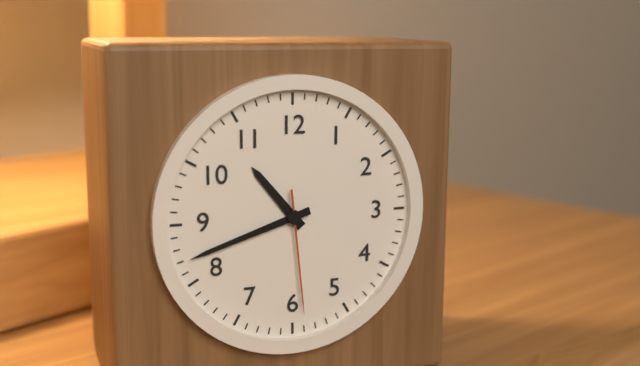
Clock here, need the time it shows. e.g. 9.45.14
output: 10.42.29
